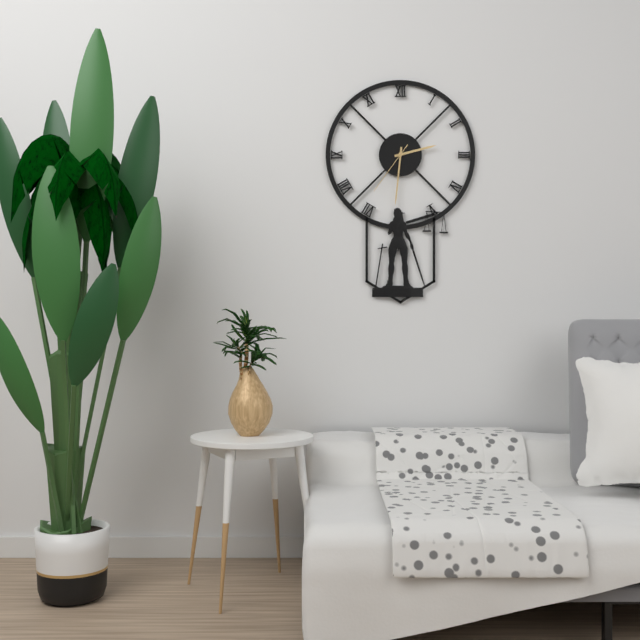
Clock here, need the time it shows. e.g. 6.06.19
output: 2.31.36
